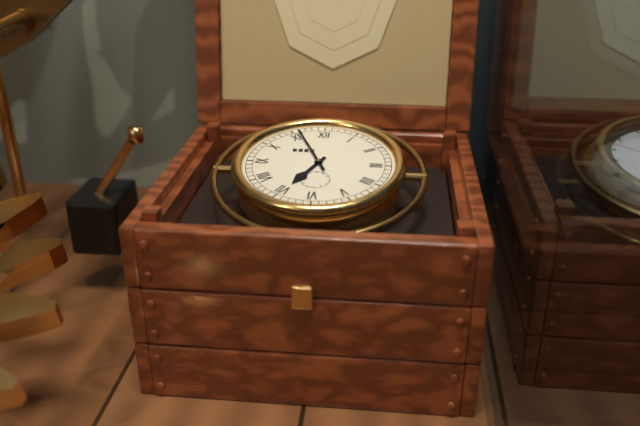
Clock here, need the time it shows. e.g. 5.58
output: 6.56
